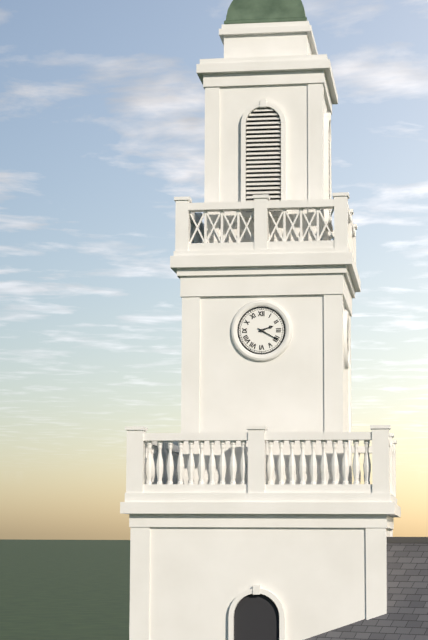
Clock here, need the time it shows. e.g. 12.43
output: 2.20
